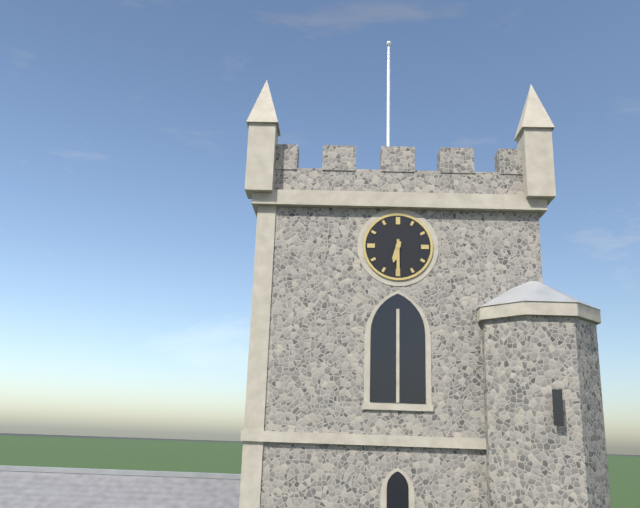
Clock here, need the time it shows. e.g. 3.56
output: 6.30
